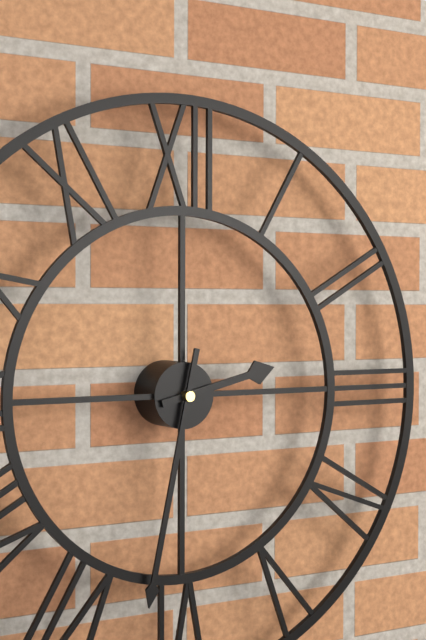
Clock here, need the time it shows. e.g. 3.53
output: 2.32
